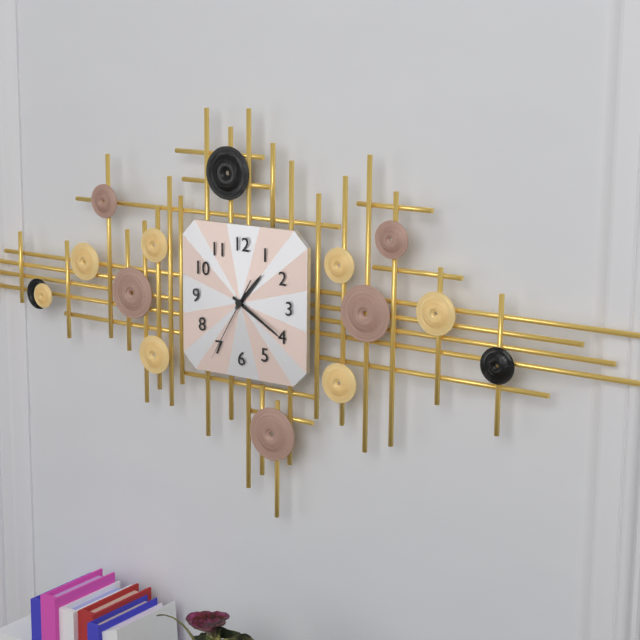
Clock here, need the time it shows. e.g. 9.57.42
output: 1.20.35
